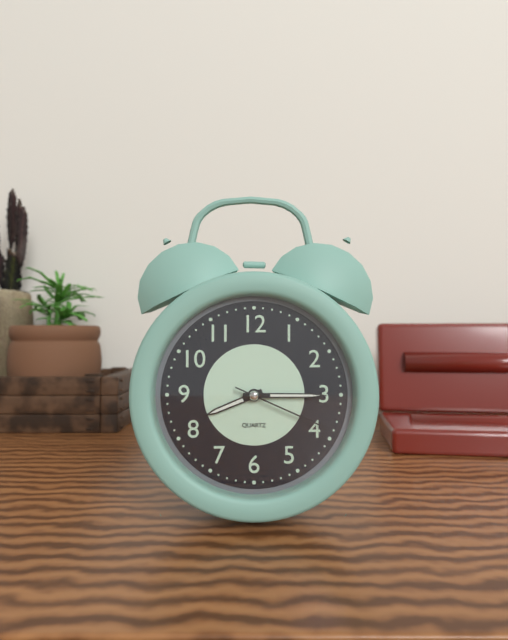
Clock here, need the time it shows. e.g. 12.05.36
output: 8.15.19
